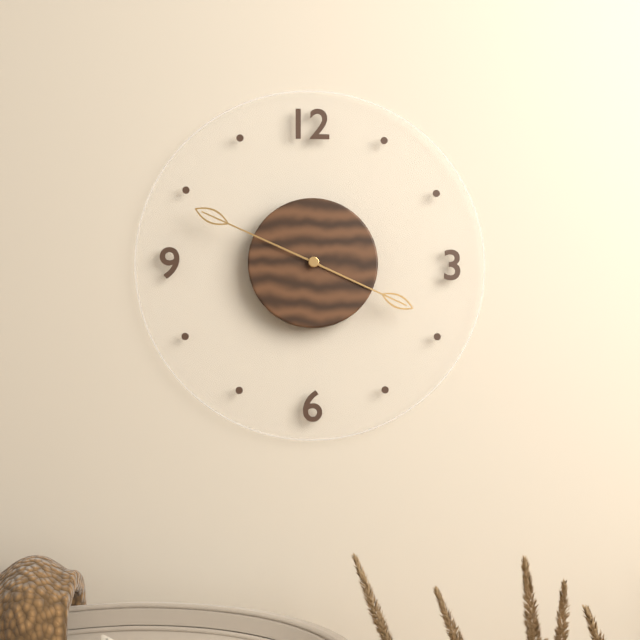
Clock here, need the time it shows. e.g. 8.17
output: 3.49
